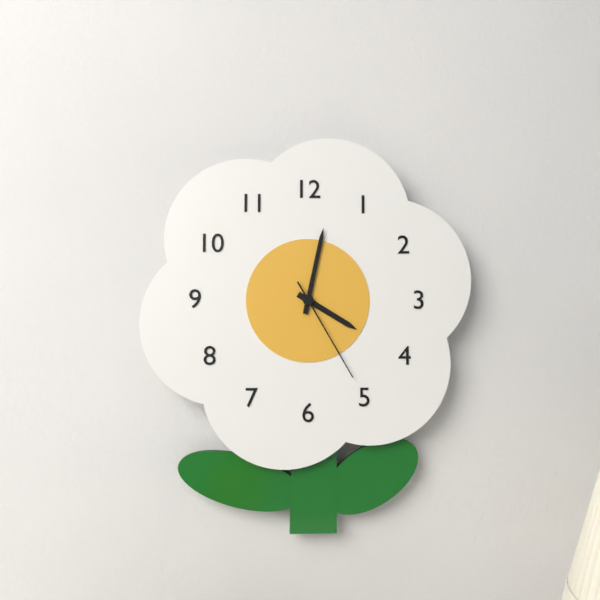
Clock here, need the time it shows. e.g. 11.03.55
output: 4.02.25
